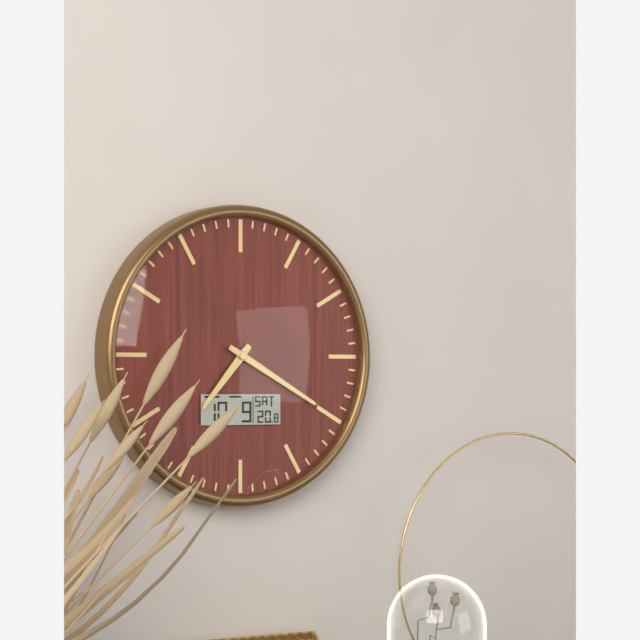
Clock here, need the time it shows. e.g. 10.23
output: 7.20
